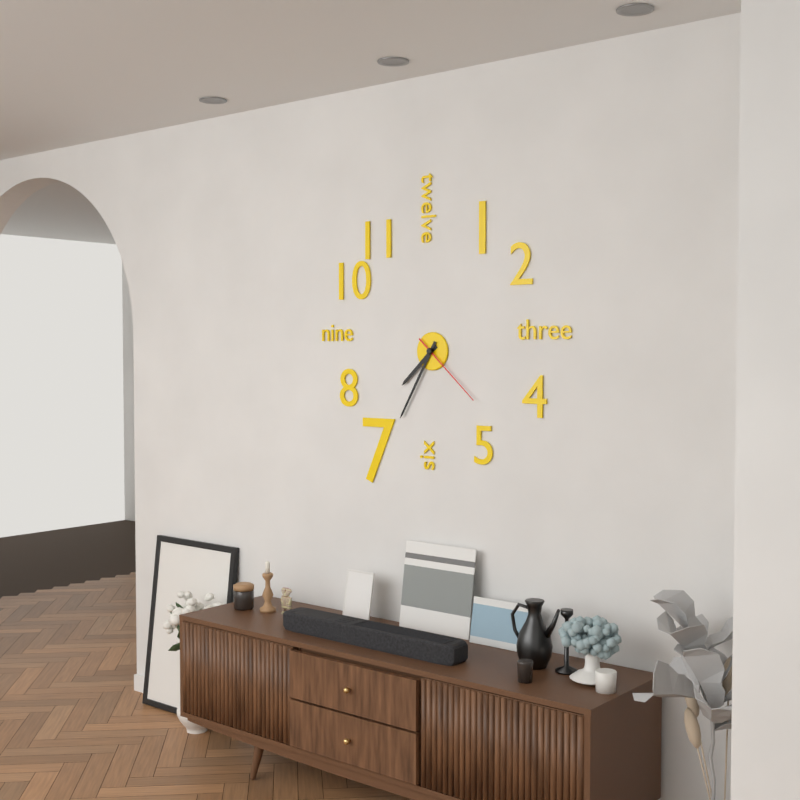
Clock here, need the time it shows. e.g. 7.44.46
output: 7.35.22
